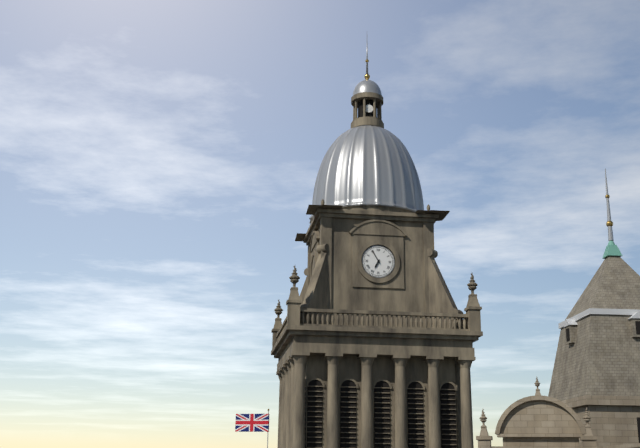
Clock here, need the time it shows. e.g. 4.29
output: 6.55
